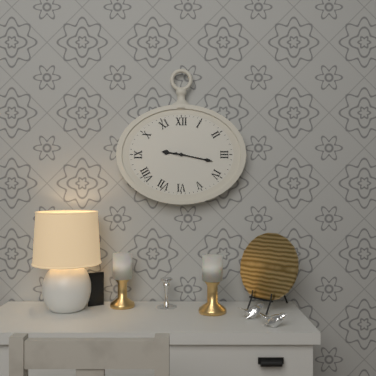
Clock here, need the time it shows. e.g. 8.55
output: 9.17
